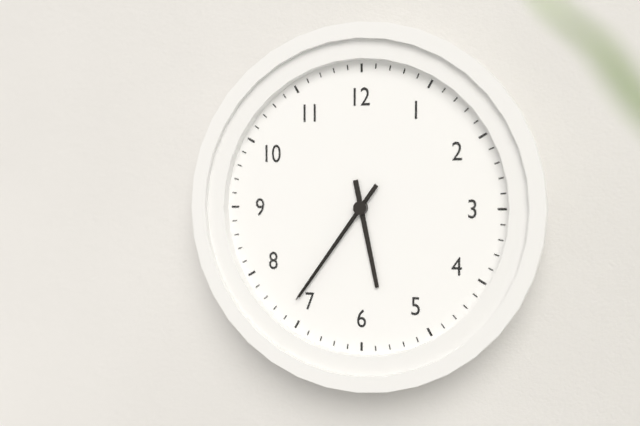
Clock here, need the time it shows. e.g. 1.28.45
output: 5.36.36
